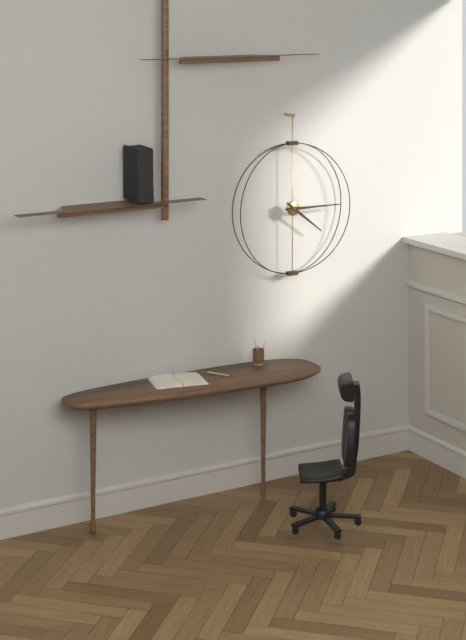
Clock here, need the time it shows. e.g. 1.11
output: 4.15
